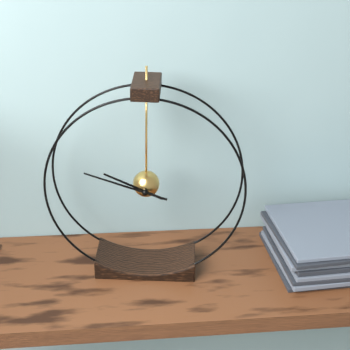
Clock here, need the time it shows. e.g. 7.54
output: 9.48
